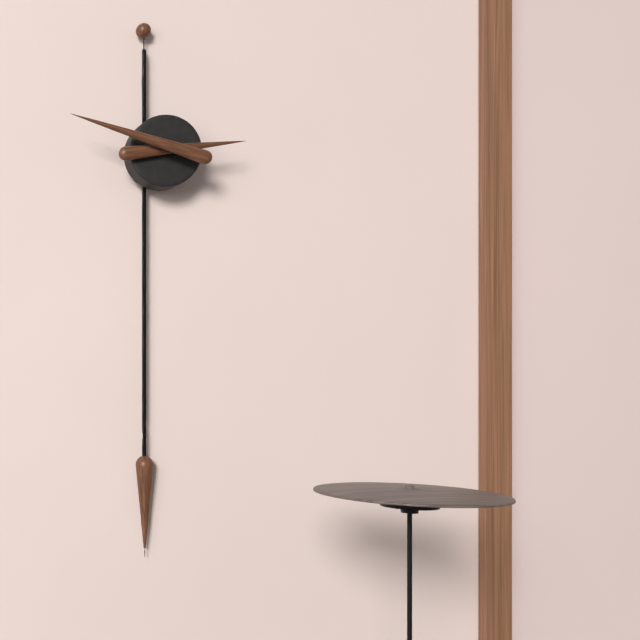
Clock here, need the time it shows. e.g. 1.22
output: 2.48
